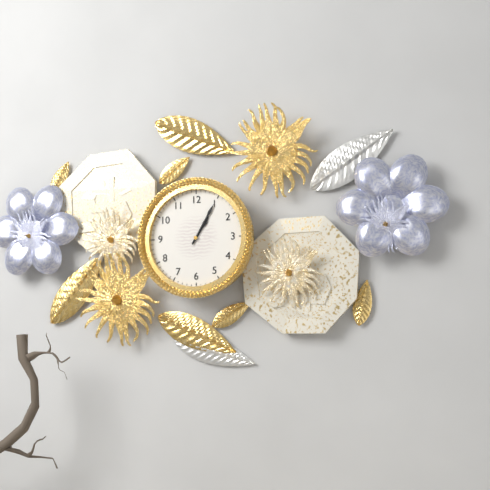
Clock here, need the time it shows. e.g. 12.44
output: 1.05
